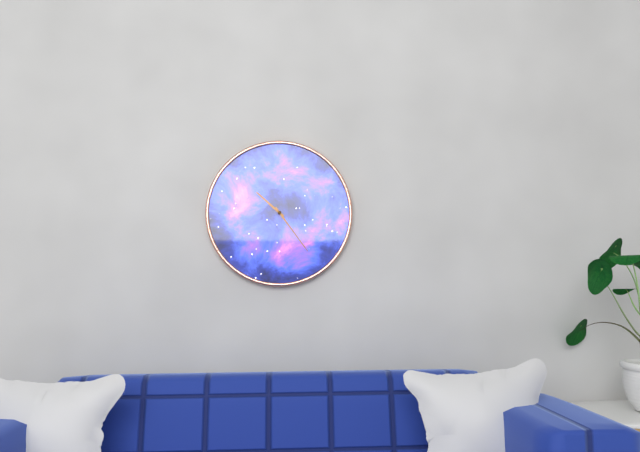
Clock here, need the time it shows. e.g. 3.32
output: 10.24
